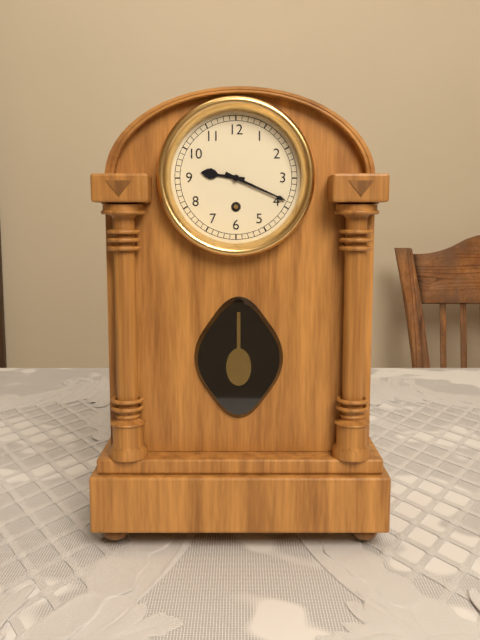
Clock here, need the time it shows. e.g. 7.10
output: 9.19
